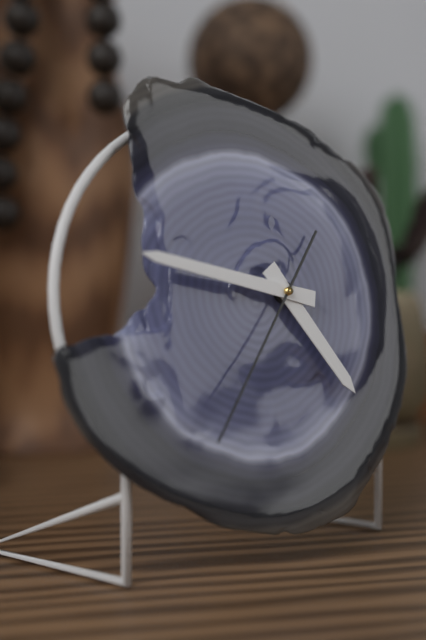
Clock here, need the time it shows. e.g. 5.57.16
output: 4.47.36
